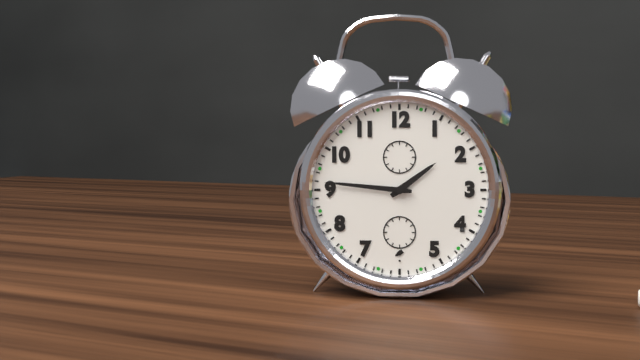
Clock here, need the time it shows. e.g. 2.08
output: 1.46
